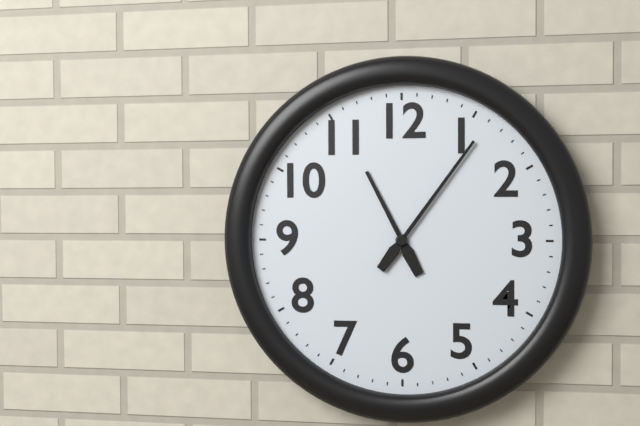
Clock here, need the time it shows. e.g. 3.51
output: 11.06
